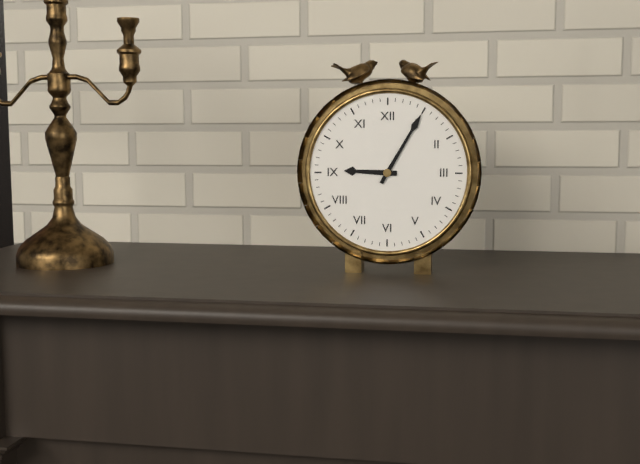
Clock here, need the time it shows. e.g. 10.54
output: 9.05
